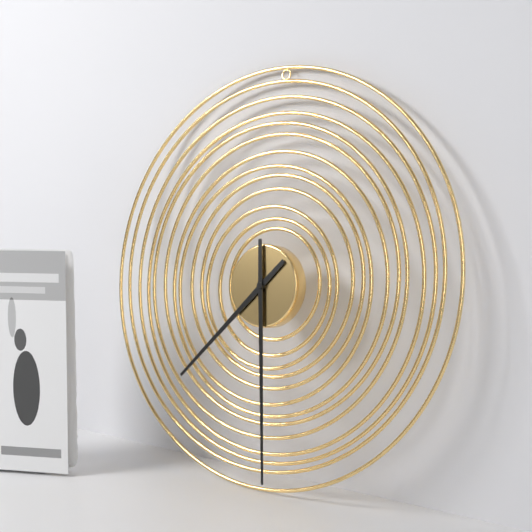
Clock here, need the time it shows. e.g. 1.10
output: 7.29
